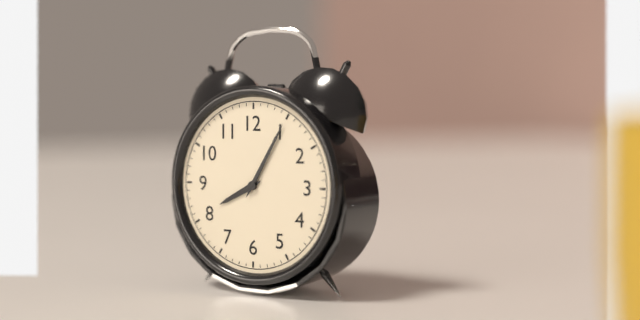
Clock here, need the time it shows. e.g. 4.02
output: 8.05
